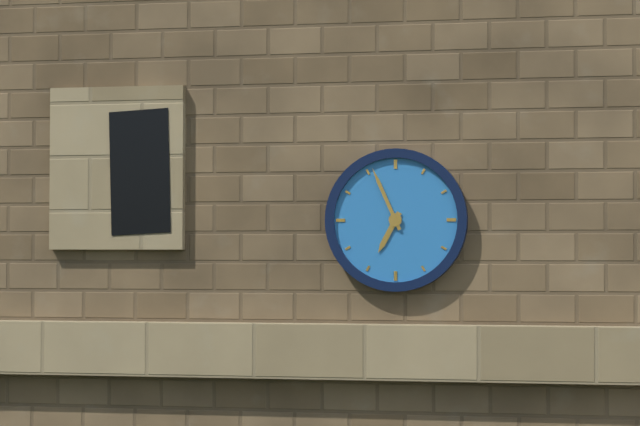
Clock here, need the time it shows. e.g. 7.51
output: 6.56
